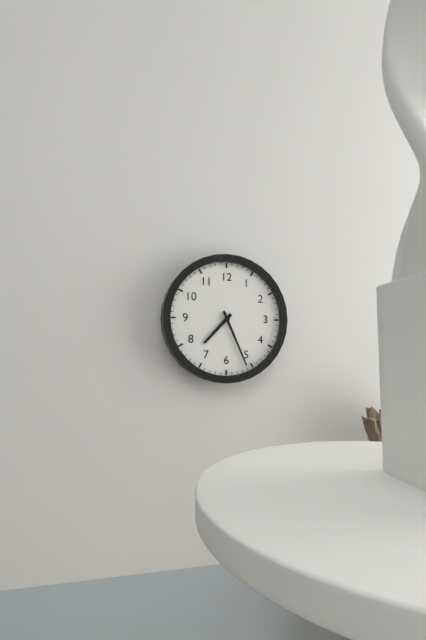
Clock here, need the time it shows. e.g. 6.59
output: 7.26
